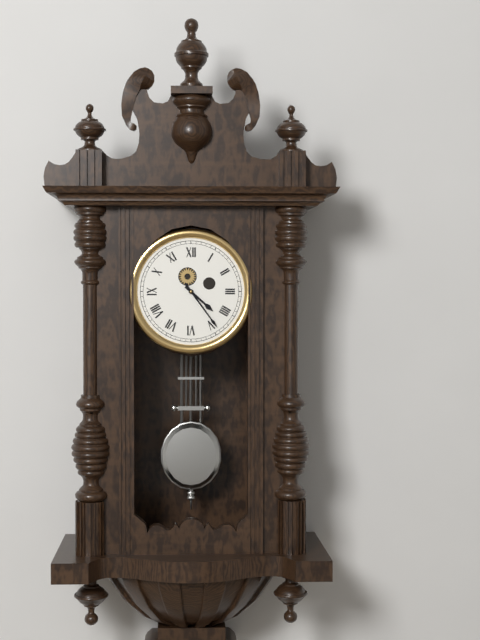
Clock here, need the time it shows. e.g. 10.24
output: 4.24
